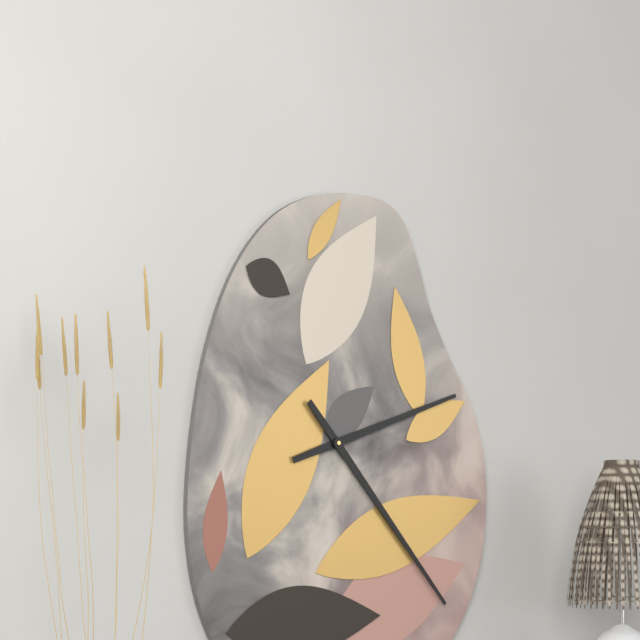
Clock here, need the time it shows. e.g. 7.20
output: 2.23
